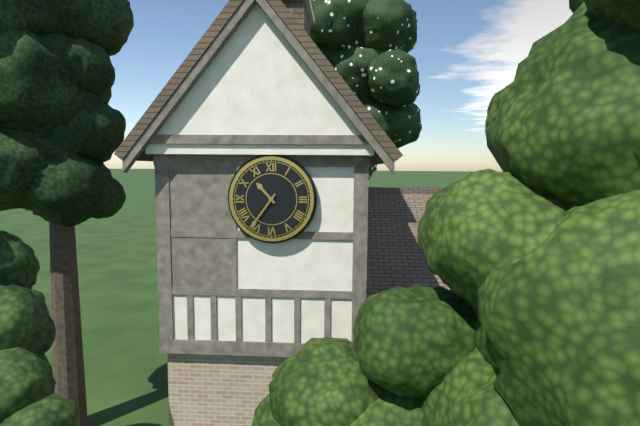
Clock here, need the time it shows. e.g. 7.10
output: 10.36
